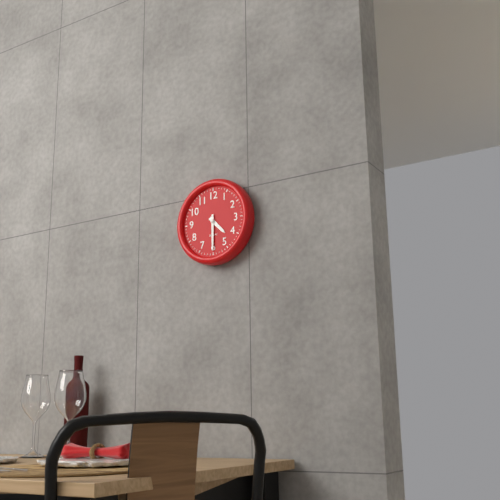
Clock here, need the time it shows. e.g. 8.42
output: 4.30
